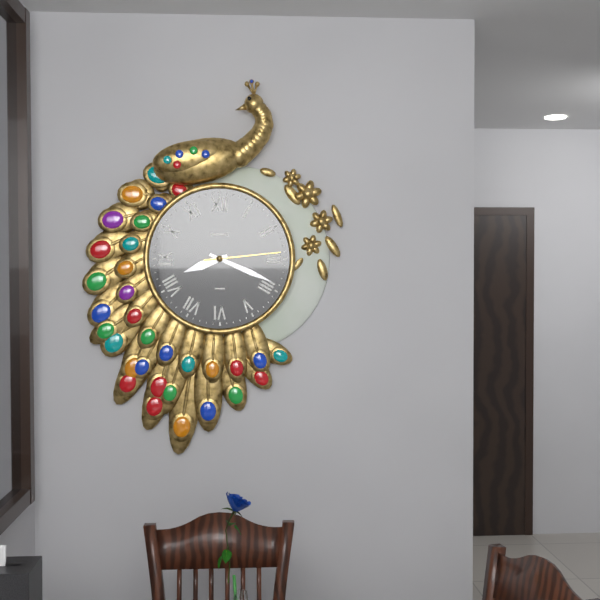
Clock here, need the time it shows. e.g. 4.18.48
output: 8.19.14
